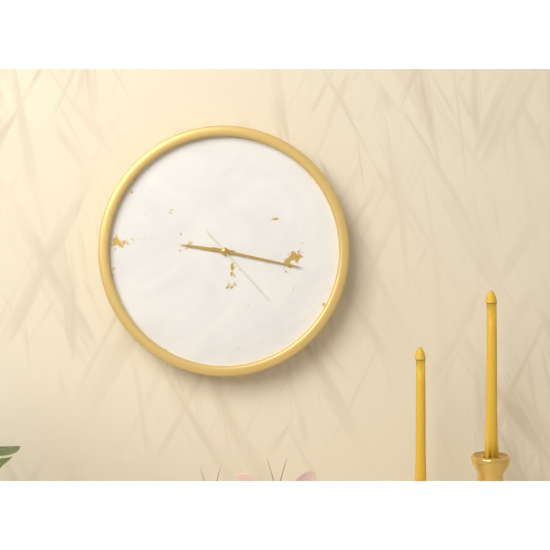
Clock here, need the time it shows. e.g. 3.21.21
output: 9.17.23
